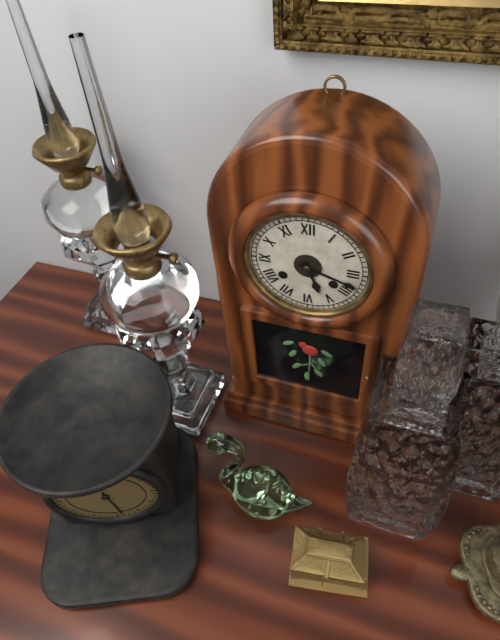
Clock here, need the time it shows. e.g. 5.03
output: 5.18
